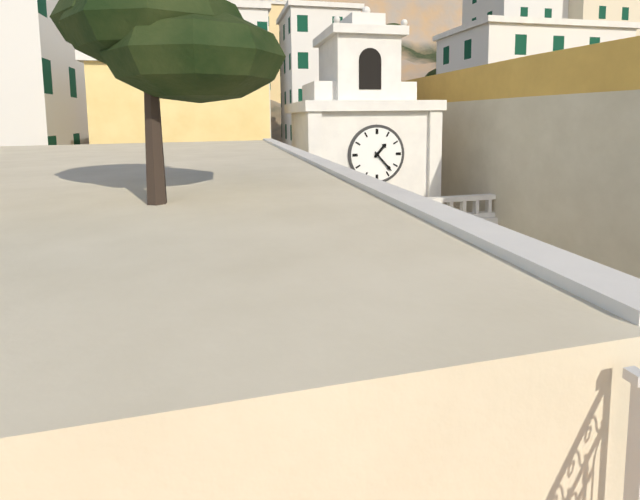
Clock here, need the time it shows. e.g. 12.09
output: 1.23
